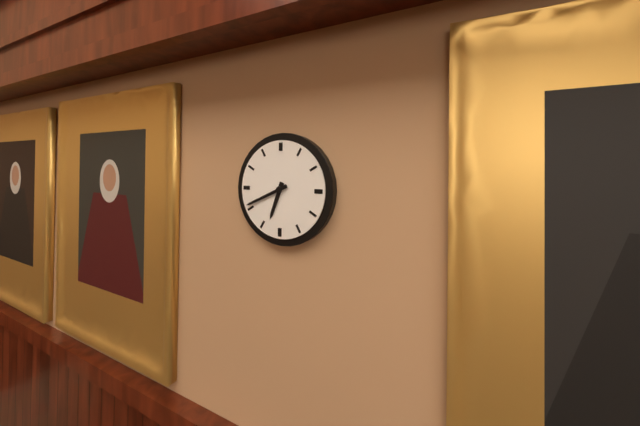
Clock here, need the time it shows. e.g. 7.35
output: 6.41
